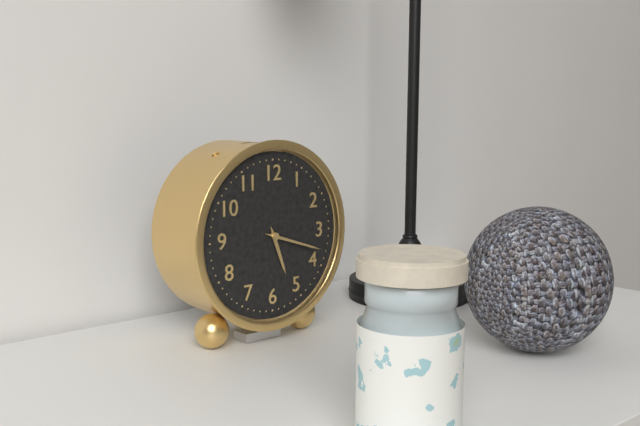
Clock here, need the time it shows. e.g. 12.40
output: 5.18
